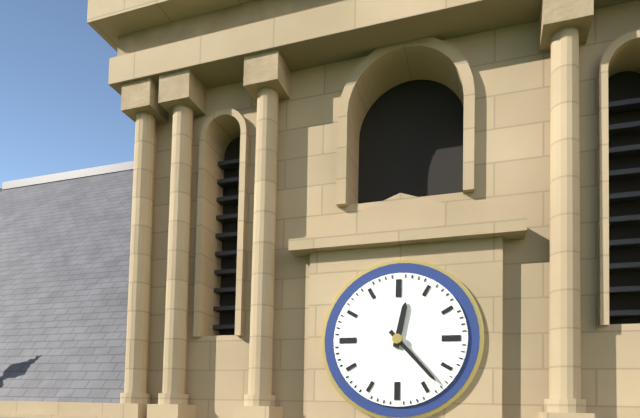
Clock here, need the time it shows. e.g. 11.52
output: 12.23
